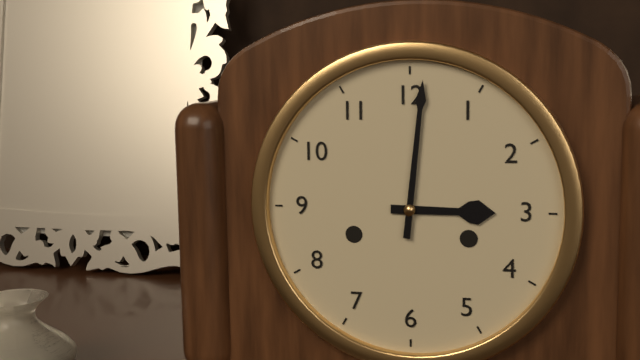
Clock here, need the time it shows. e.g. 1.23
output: 3.01
